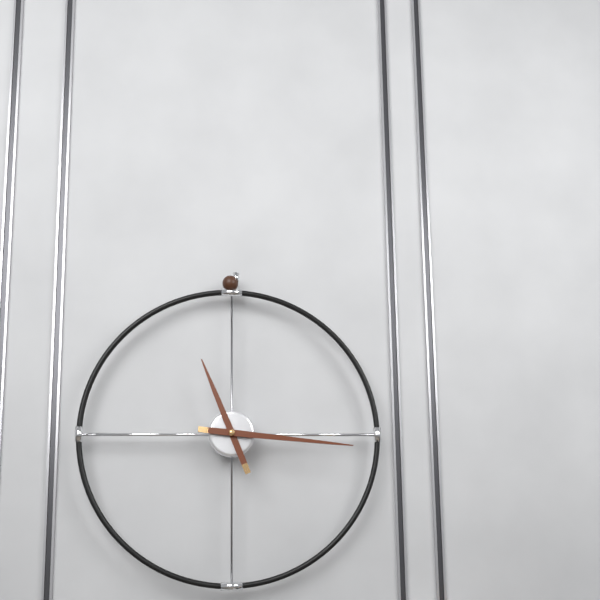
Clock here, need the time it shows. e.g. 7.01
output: 11.16
